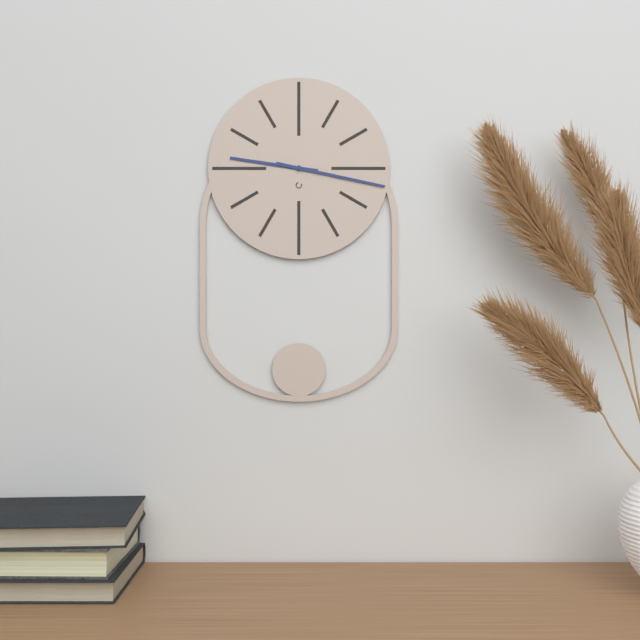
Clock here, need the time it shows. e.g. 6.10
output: 9.17
